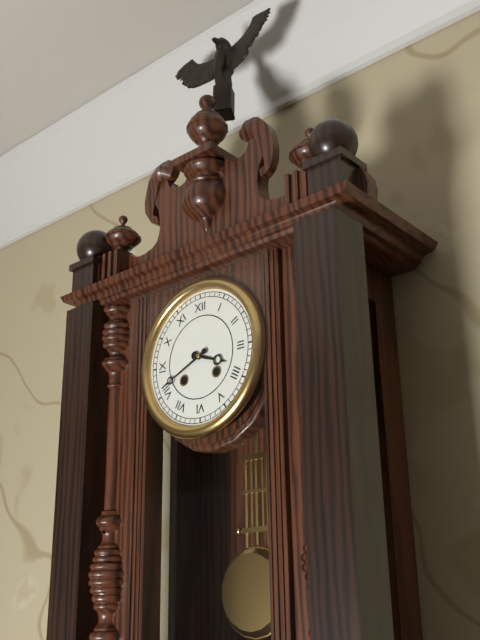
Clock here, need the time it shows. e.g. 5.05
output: 3.41
